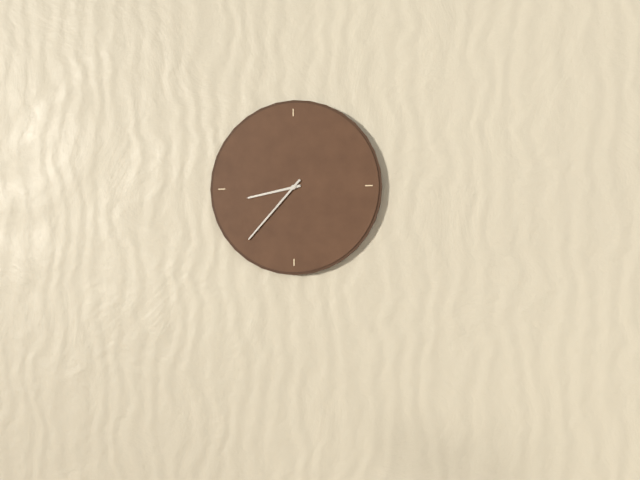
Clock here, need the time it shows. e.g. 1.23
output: 8.37
